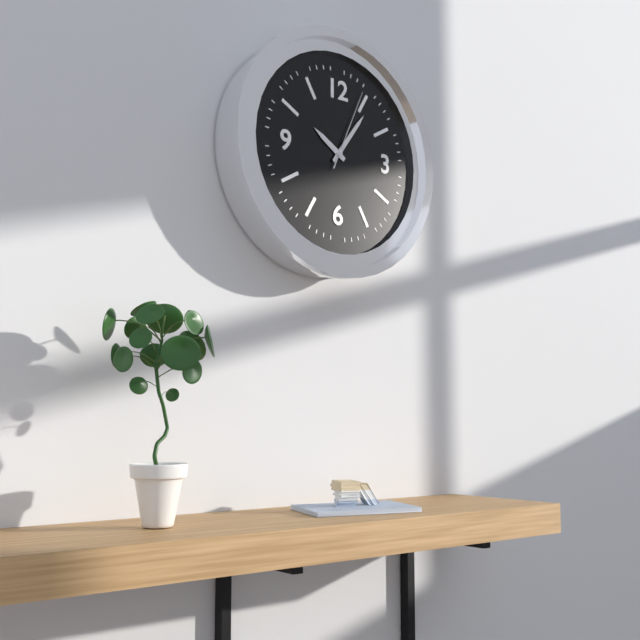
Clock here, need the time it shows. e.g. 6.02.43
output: 10.06.04
